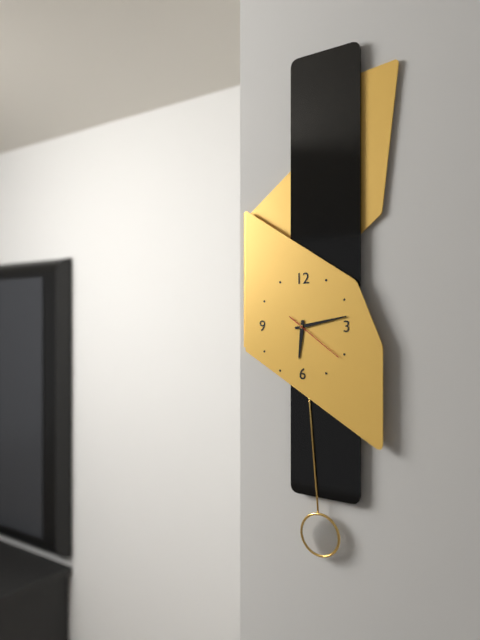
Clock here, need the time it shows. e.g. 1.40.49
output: 6.13.21
